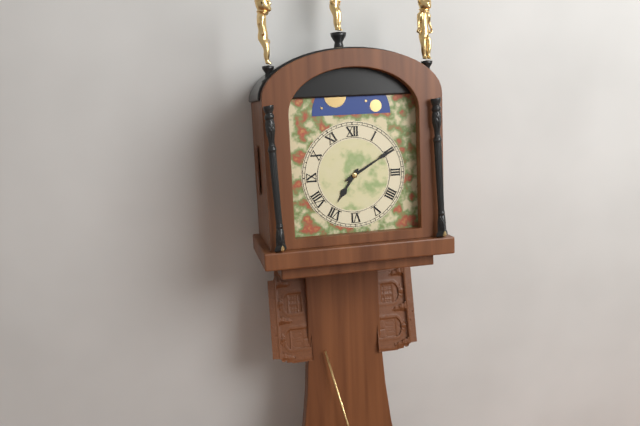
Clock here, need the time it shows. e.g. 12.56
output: 7.10
